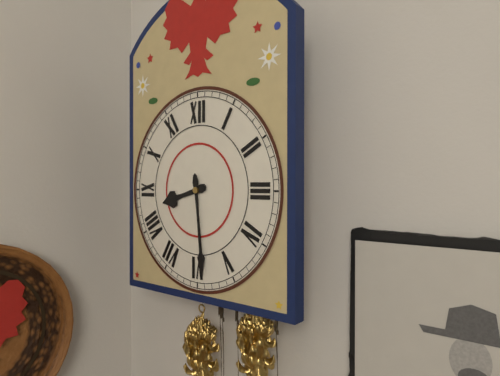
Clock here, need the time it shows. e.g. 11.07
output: 8.29
